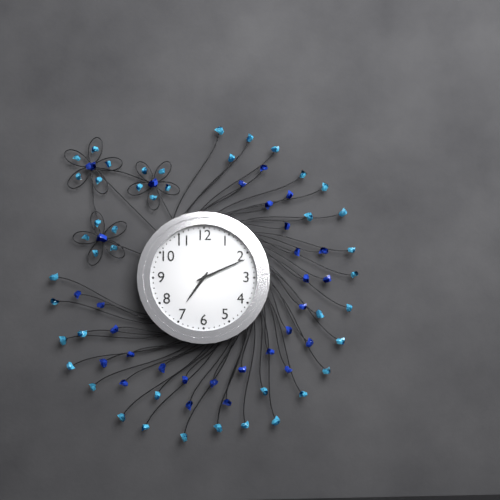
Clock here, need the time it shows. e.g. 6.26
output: 7.11
